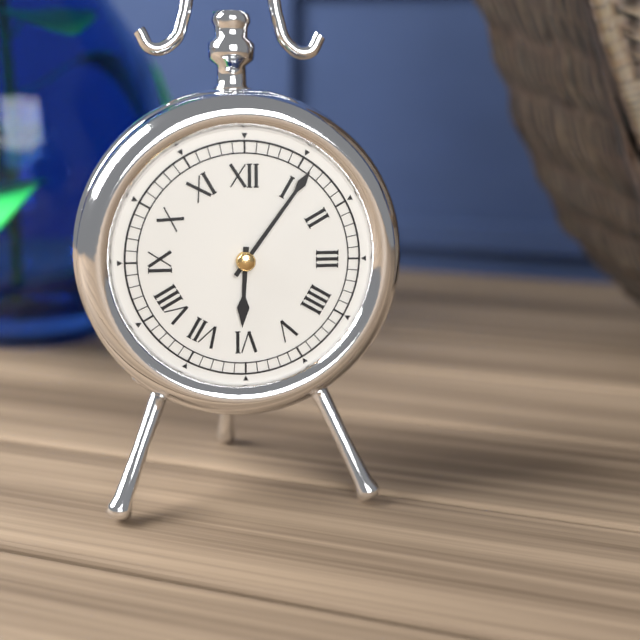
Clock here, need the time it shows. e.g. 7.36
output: 6.06
